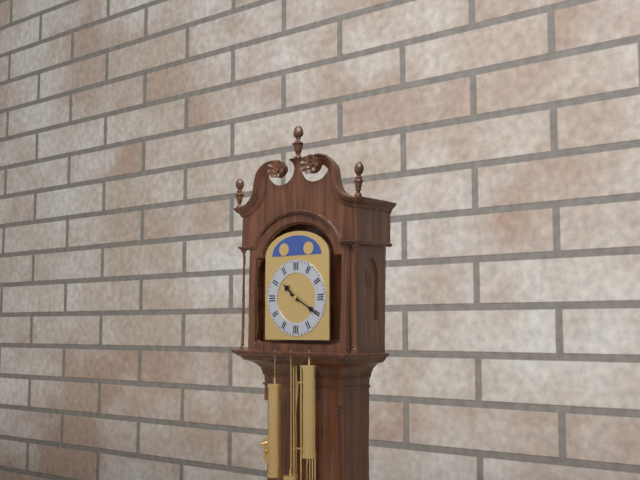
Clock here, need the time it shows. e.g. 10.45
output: 10.20
